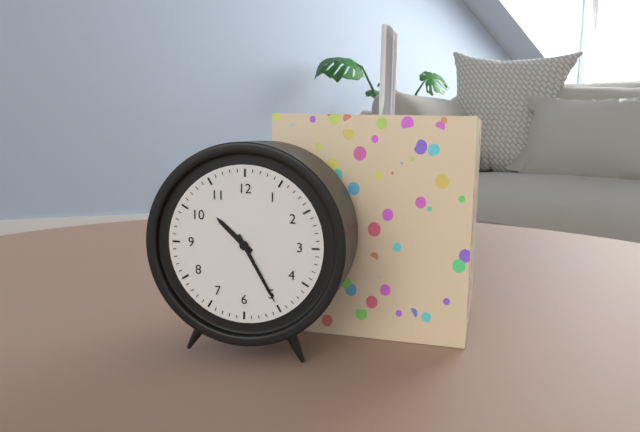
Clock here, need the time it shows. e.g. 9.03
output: 10.25
